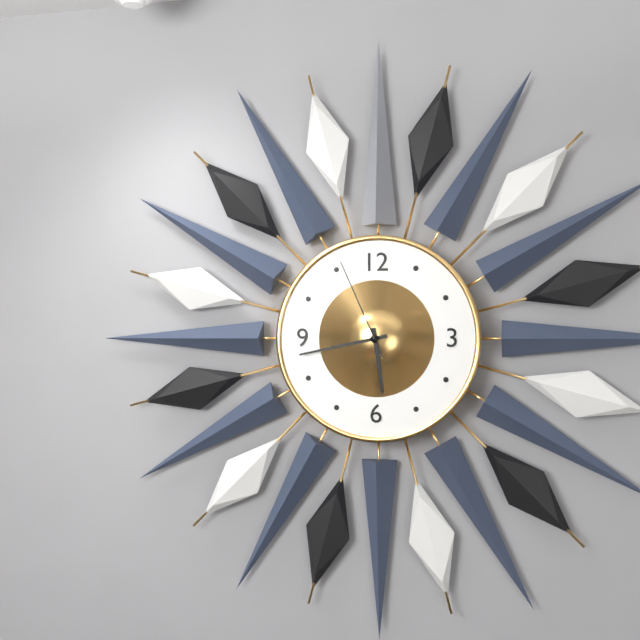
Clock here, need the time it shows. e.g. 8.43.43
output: 5.43.56
